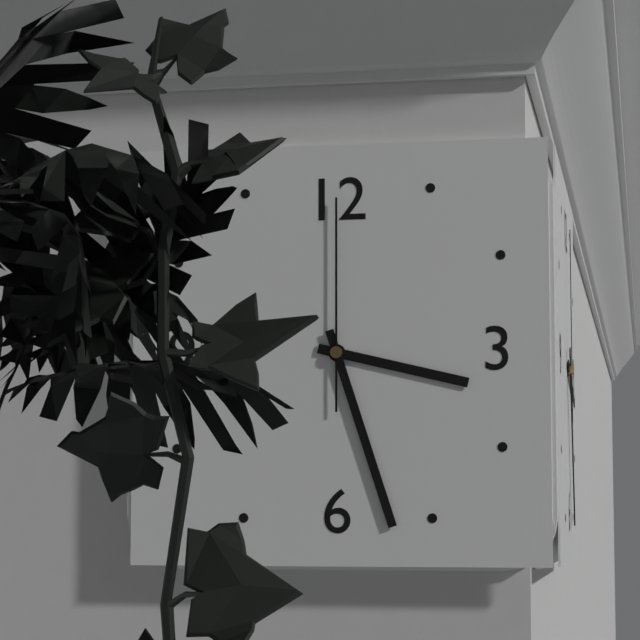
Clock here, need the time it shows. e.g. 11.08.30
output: 3.27.00
